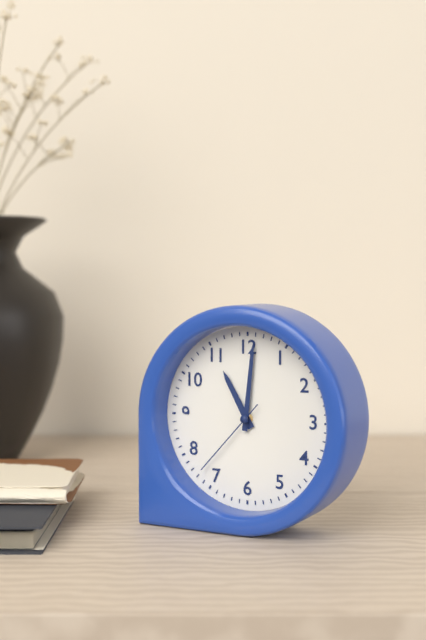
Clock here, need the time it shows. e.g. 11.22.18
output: 11.01.37
